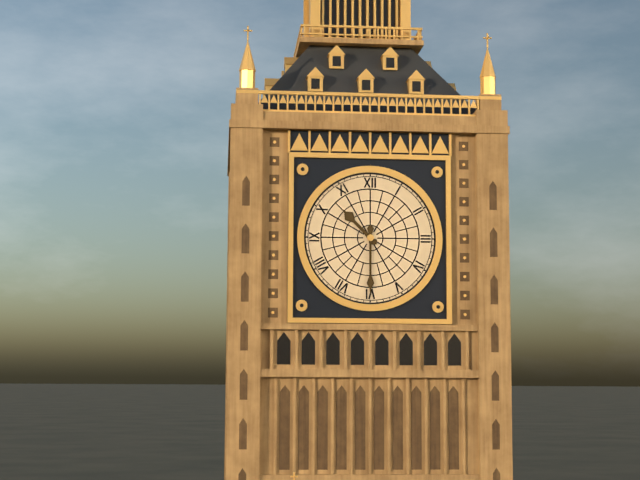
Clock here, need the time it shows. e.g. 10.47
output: 10.30
